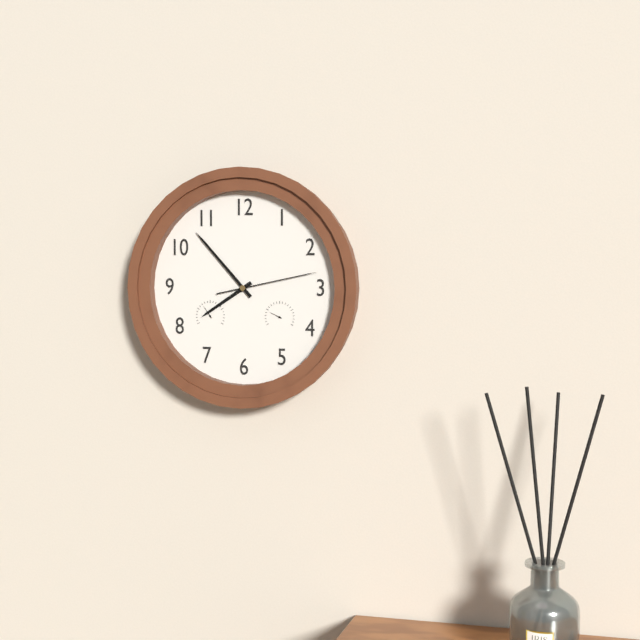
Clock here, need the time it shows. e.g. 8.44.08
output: 7.53.13
